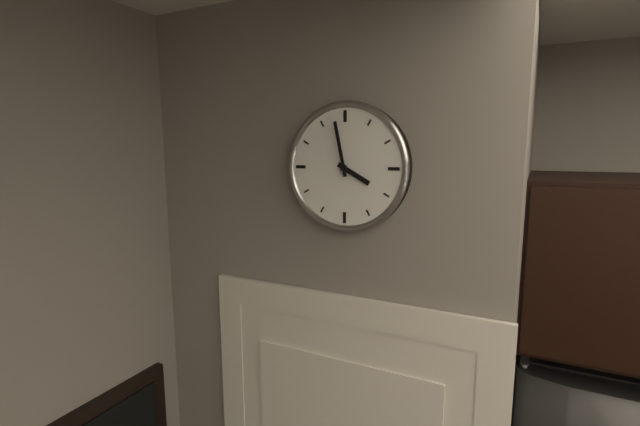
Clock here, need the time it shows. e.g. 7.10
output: 3.58
